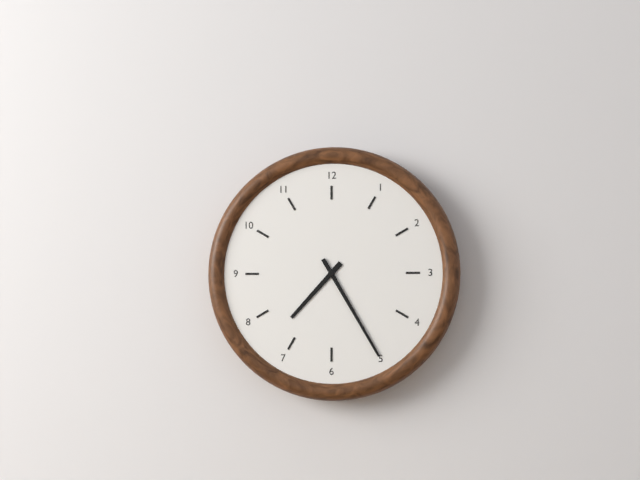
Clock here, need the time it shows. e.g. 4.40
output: 7.25
